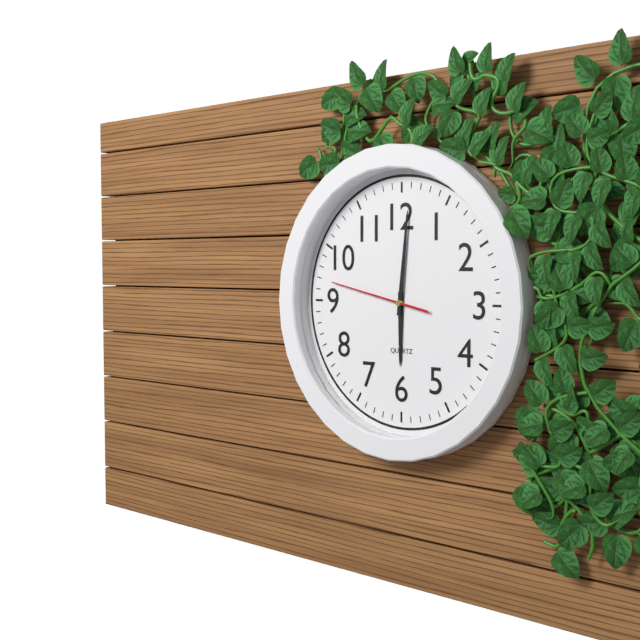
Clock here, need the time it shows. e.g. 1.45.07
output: 6.01.47
